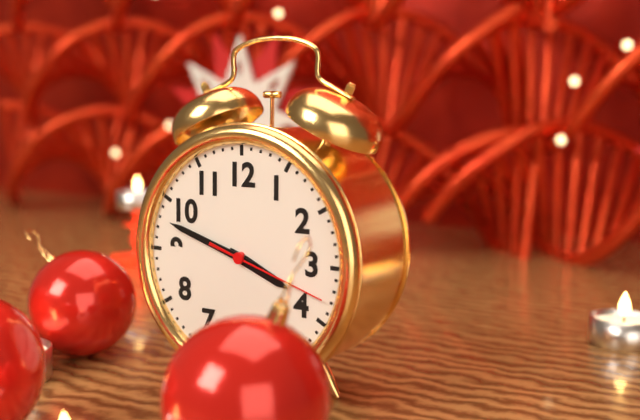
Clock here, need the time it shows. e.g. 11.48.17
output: 3.48.18
